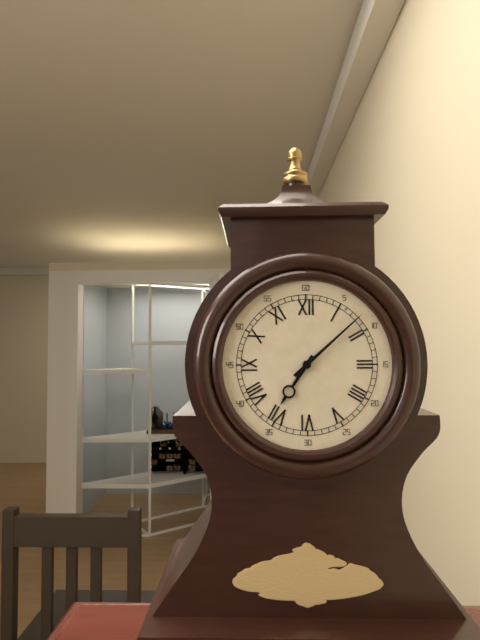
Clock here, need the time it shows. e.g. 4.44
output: 7.08
